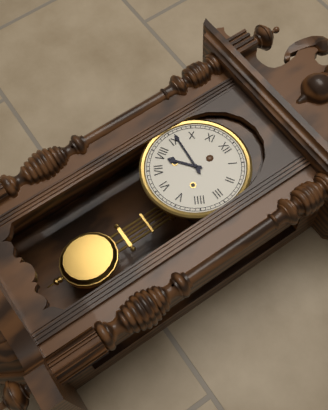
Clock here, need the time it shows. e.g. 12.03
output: 7.46
